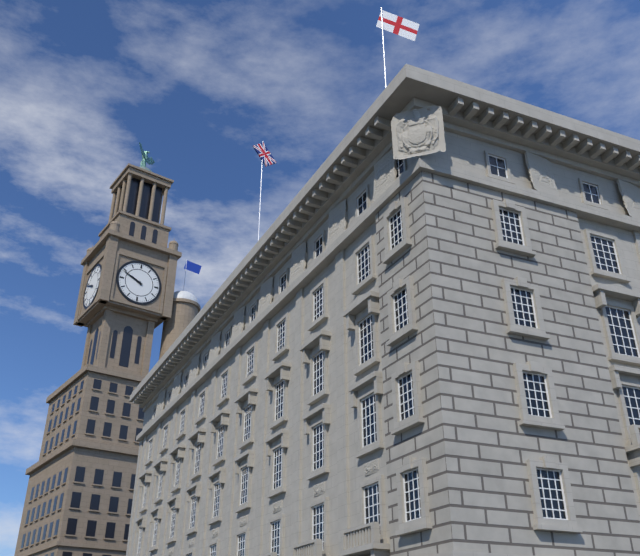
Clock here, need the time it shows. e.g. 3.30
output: 9.49
